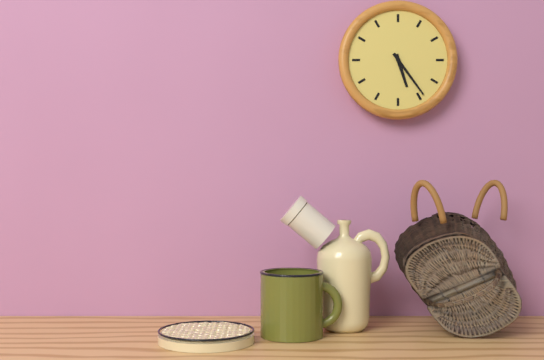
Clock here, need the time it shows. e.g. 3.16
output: 5.24
